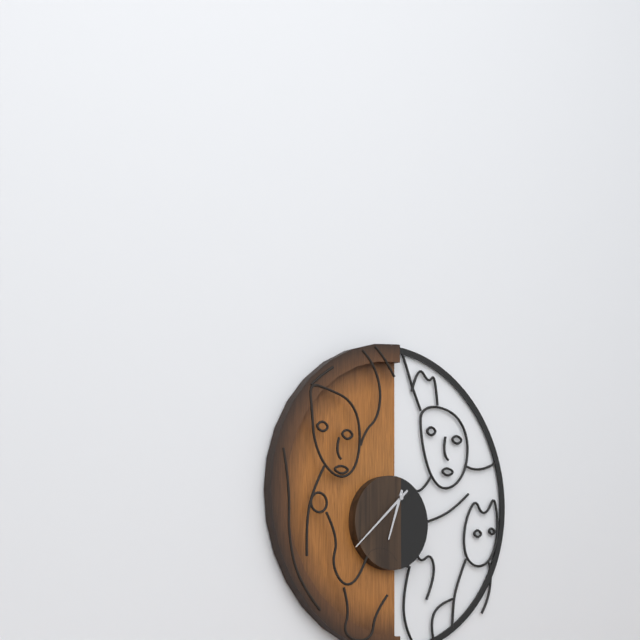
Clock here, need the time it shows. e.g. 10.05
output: 6.38
